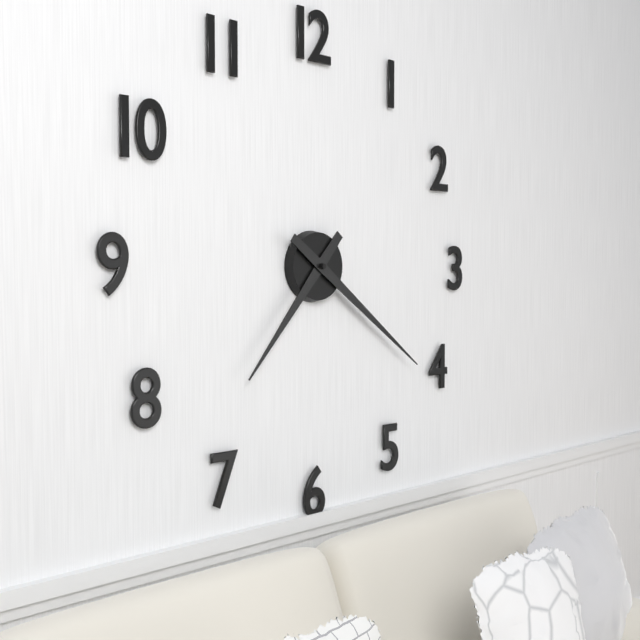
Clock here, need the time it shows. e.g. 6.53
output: 7.21
